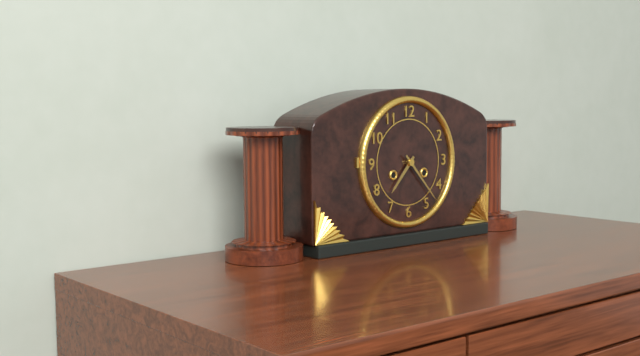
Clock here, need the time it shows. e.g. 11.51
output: 7.23
